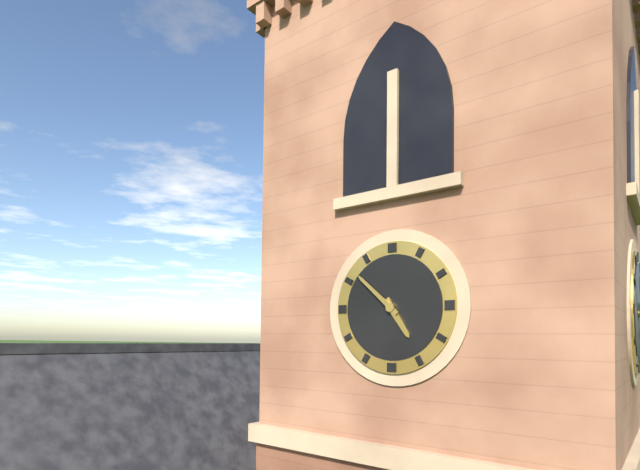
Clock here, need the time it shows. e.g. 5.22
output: 4.52
